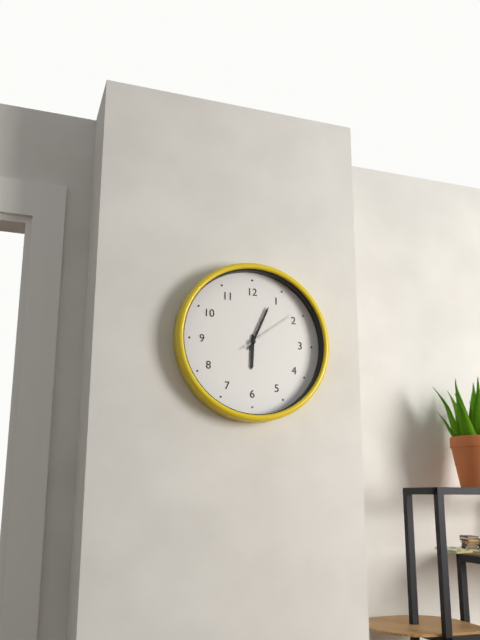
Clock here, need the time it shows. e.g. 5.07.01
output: 6.04.09
